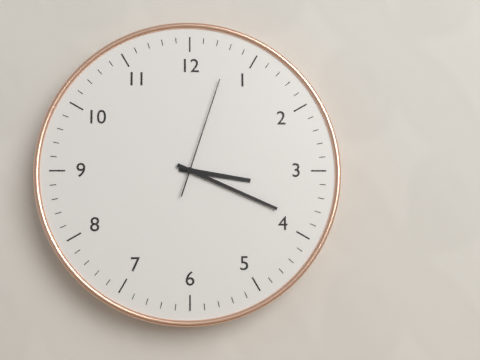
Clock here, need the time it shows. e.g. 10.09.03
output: 3.19.03
